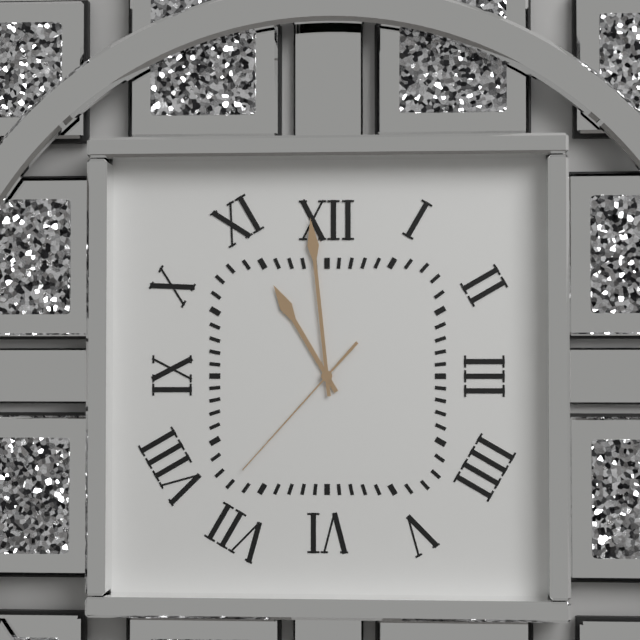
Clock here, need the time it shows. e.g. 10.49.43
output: 10.59.37
